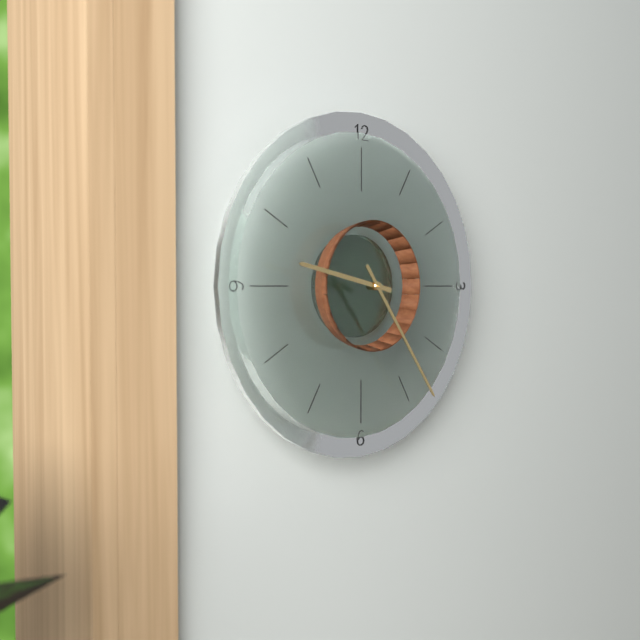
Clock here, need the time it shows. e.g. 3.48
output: 9.24
